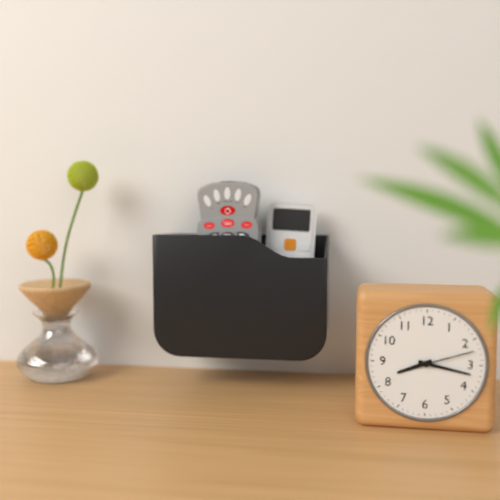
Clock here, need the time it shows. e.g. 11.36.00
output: 8.17.12
